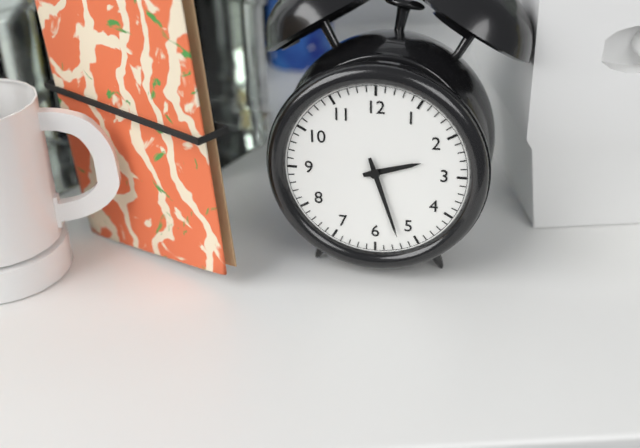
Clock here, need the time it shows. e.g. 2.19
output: 2.27
